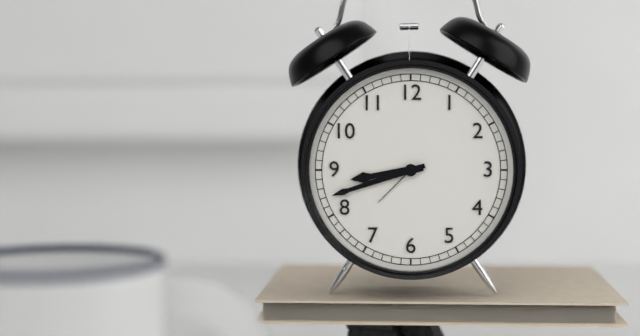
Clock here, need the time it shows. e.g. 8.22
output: 8.42
